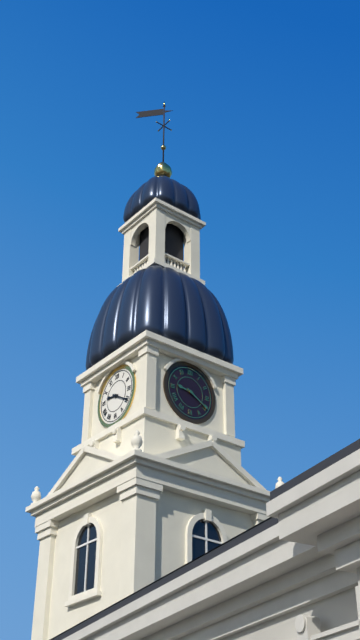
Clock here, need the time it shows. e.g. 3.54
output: 9.20
